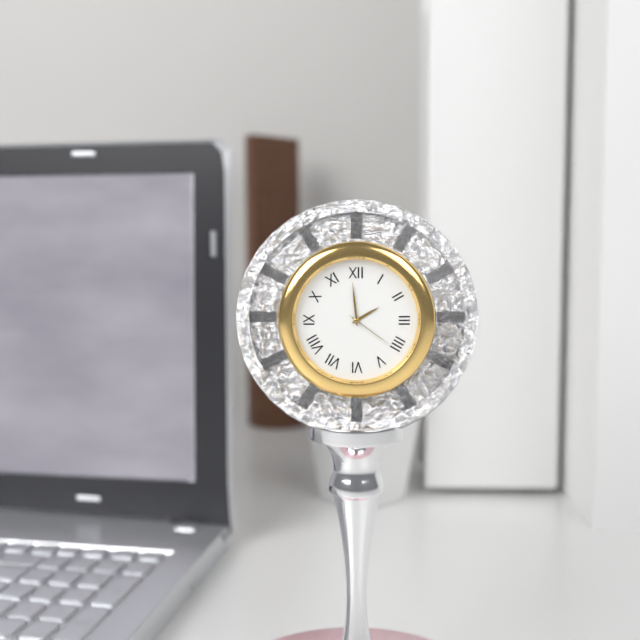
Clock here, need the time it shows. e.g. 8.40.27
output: 1.59.21
